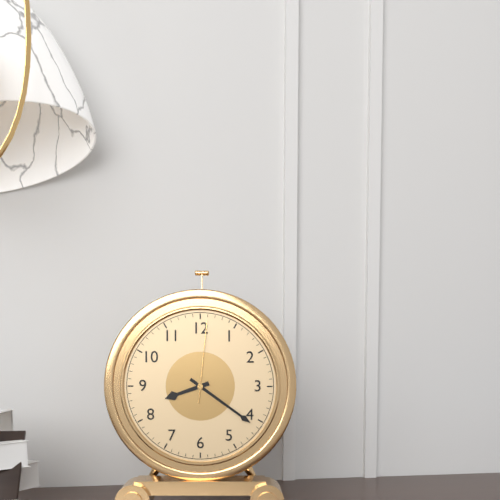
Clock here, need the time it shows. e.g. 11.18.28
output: 8.21.01
